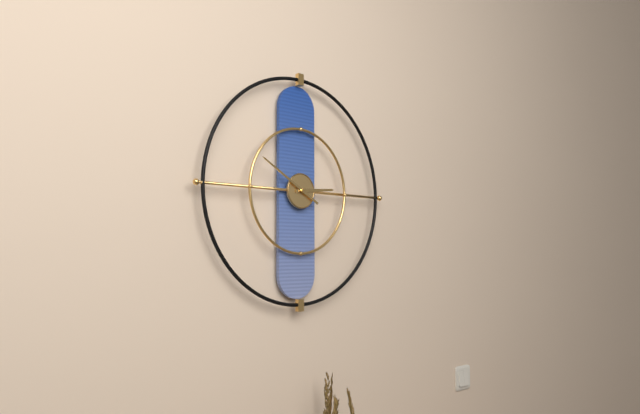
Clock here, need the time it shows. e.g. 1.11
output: 2.50
